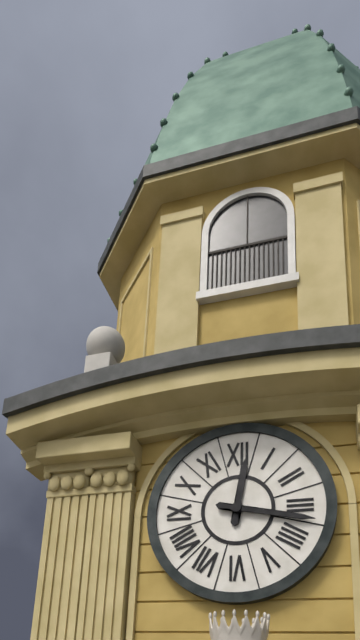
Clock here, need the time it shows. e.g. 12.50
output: 12.17
